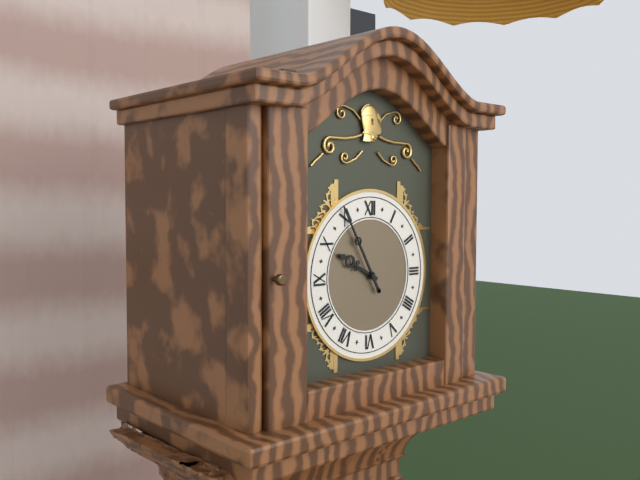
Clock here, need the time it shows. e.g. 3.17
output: 9.55
